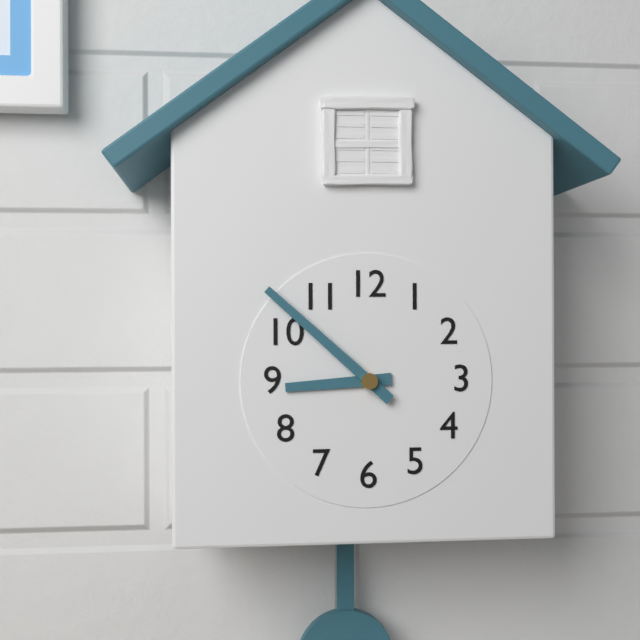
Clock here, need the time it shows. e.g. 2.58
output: 8.52
